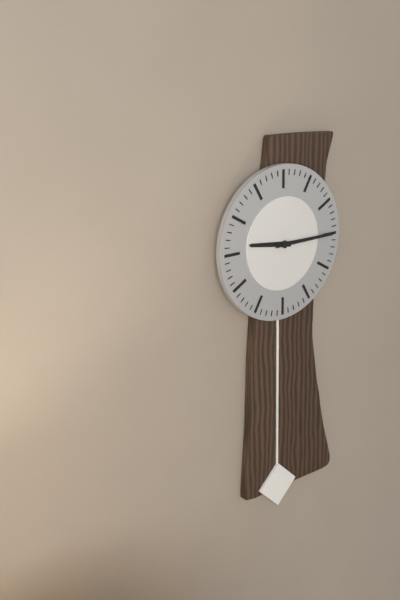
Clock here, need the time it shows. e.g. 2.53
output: 9.15
